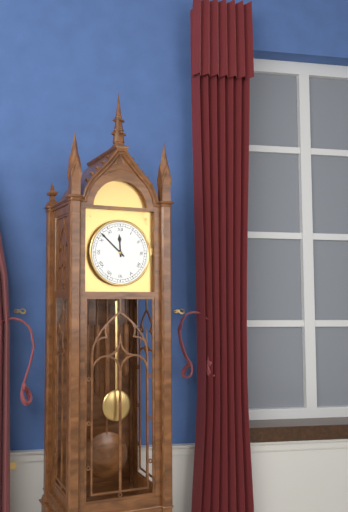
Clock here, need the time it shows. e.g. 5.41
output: 11.52
